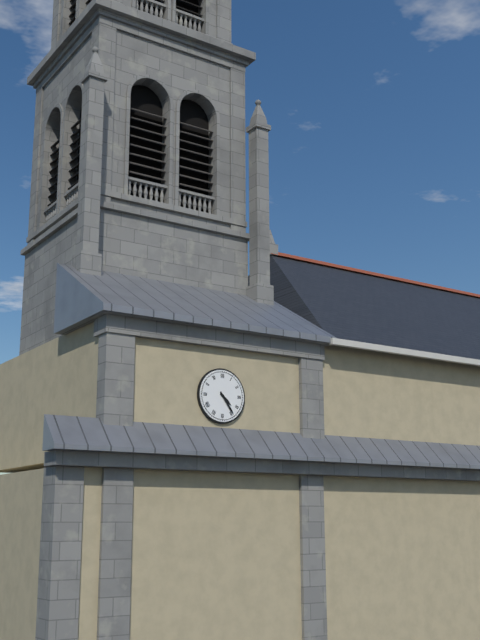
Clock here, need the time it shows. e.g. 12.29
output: 4.24
